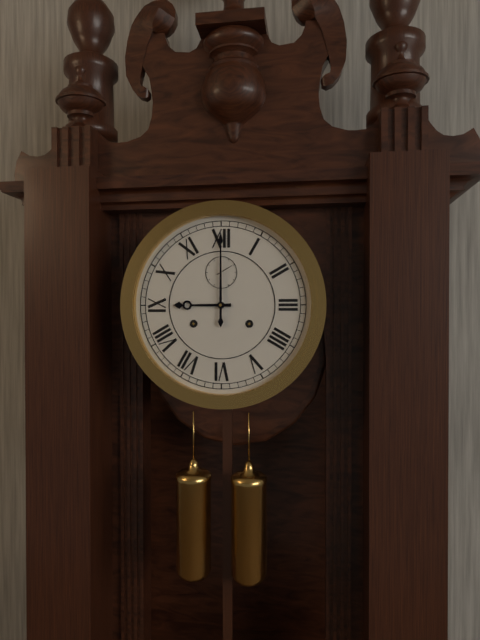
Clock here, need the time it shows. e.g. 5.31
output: 9.00
